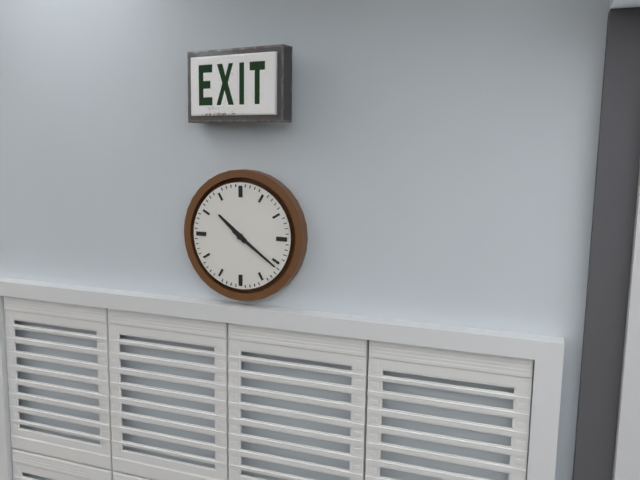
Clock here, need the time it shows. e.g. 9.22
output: 10.21
